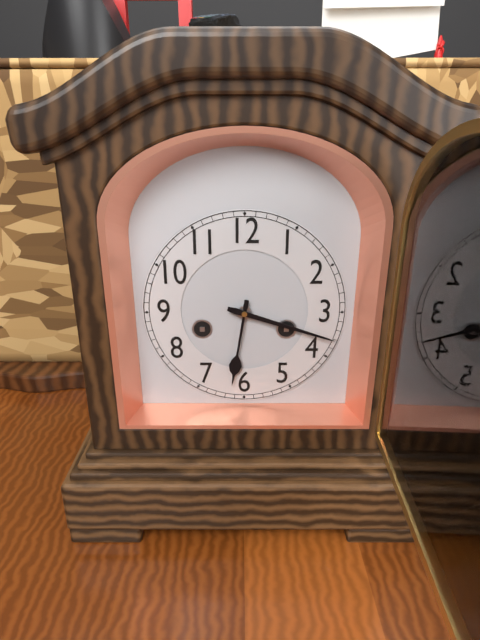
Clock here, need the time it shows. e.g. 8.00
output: 6.18
